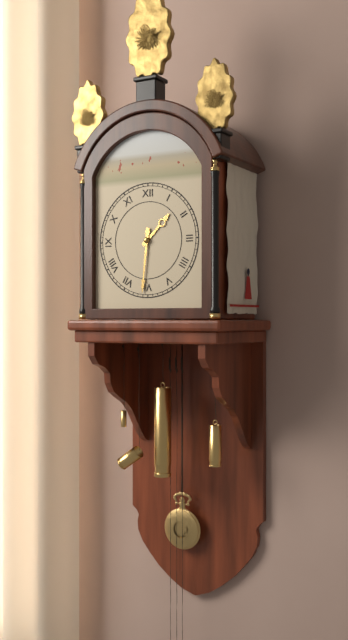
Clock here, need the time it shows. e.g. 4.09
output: 1.31
